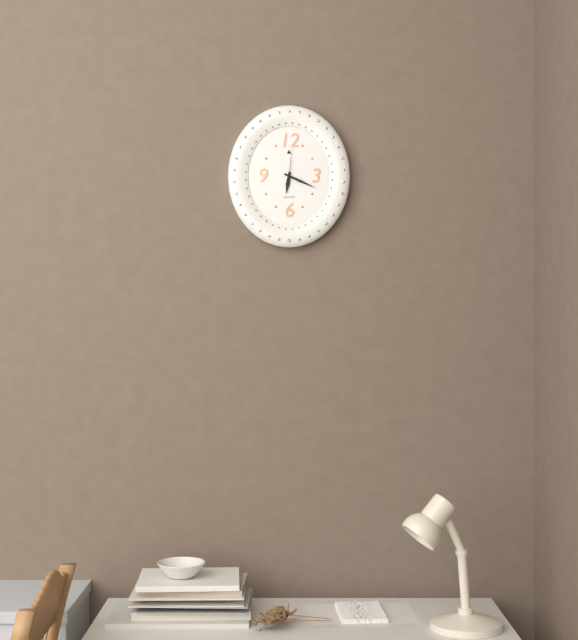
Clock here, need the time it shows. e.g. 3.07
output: 6.19
